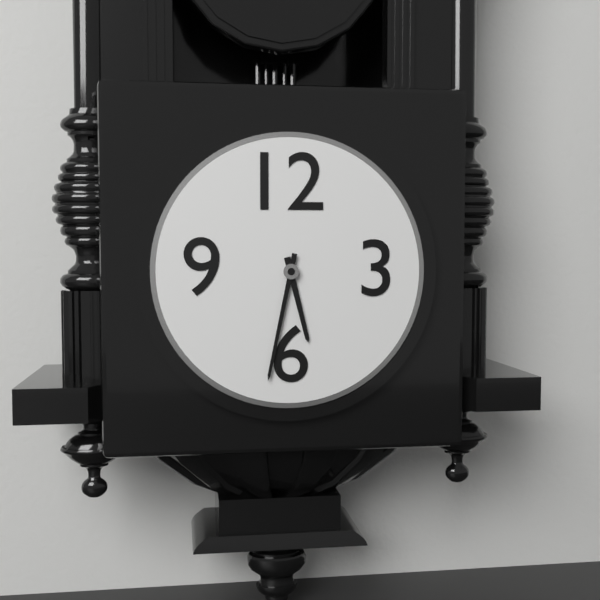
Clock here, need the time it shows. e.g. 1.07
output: 5.32
